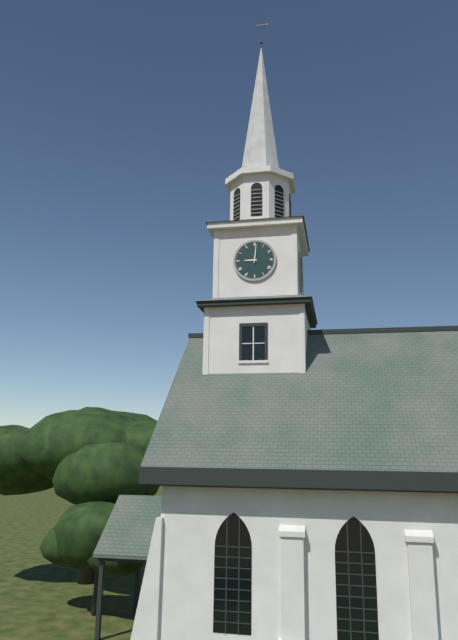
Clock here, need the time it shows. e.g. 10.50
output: 9.01
